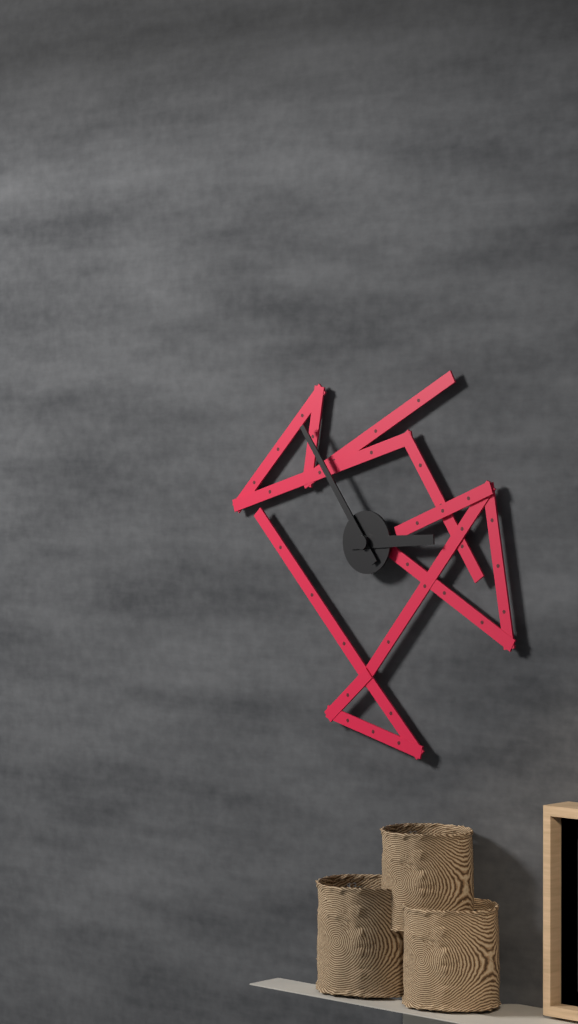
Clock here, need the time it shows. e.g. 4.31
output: 2.54
